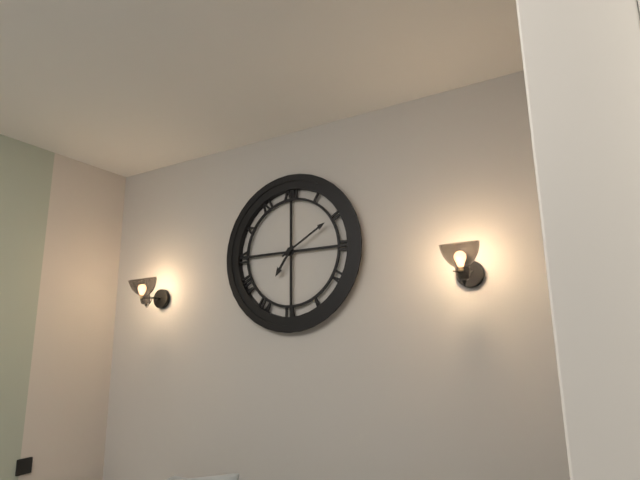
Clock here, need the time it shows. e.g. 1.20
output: 7.10
